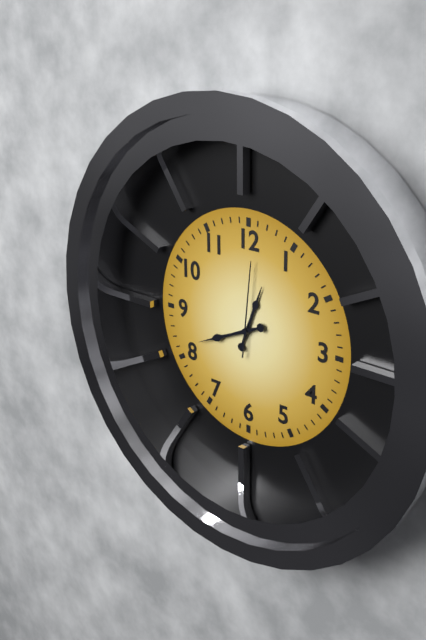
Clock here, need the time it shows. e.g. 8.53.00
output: 12.41.01
